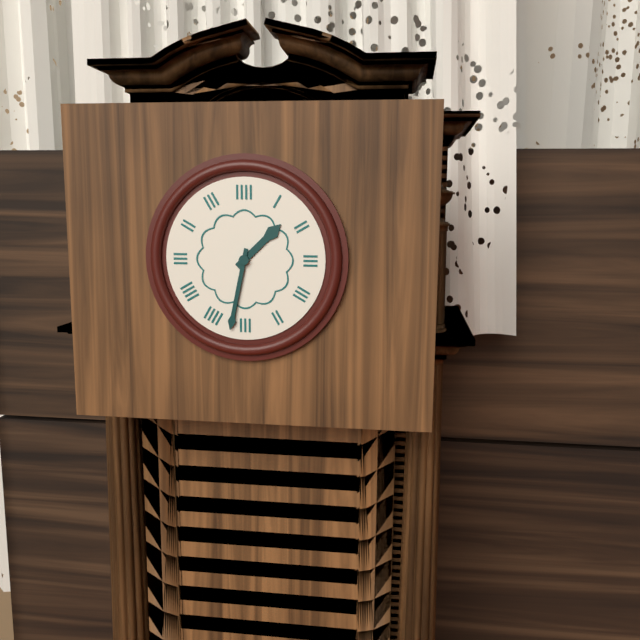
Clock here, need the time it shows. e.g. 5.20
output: 1.32
